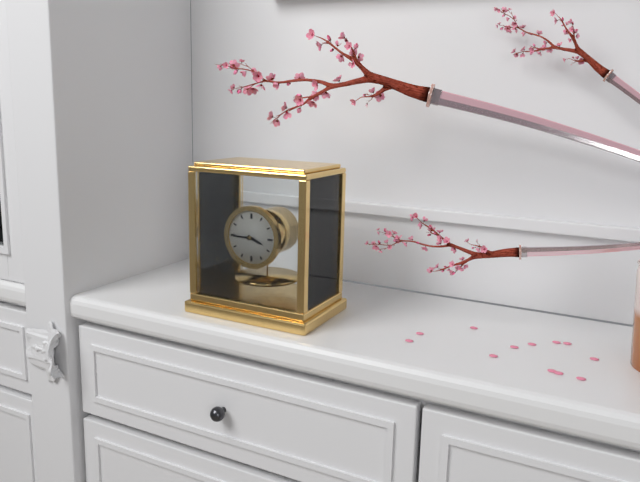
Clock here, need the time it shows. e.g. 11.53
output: 3.45
